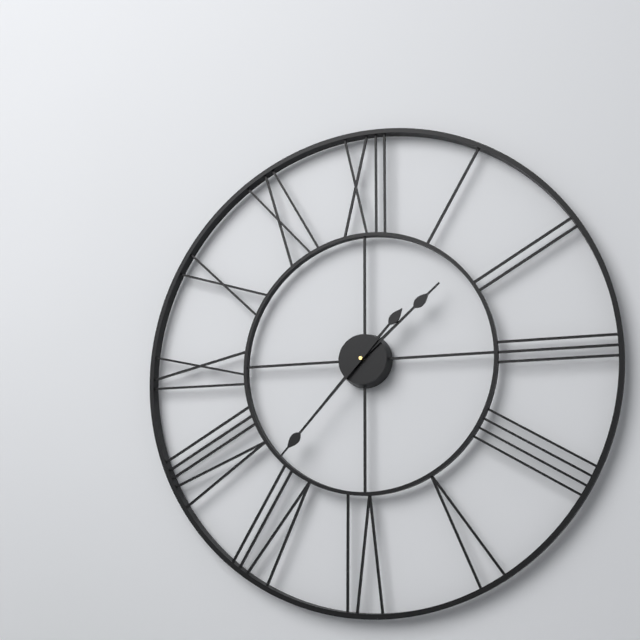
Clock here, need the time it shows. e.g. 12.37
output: 1.37
